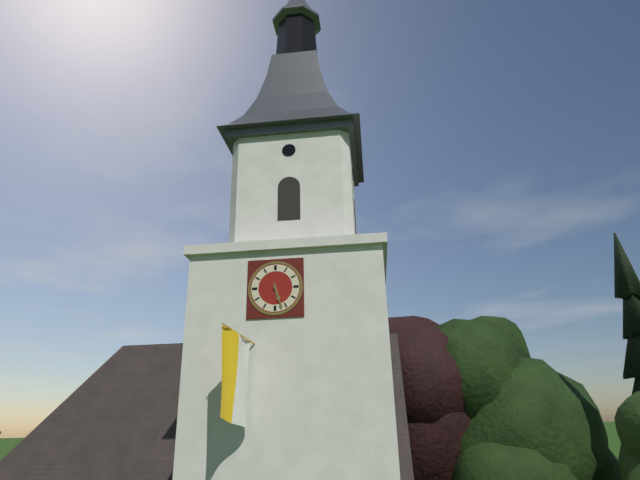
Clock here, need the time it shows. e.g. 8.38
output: 5.27
